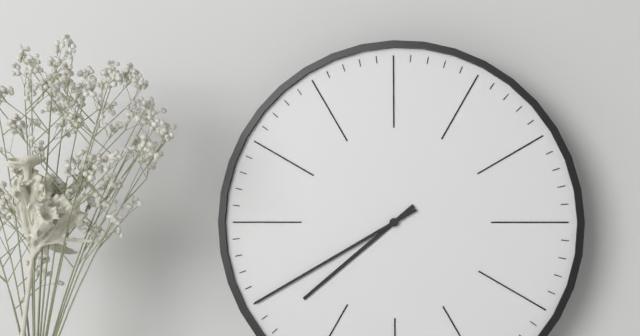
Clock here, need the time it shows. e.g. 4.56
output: 7.40
